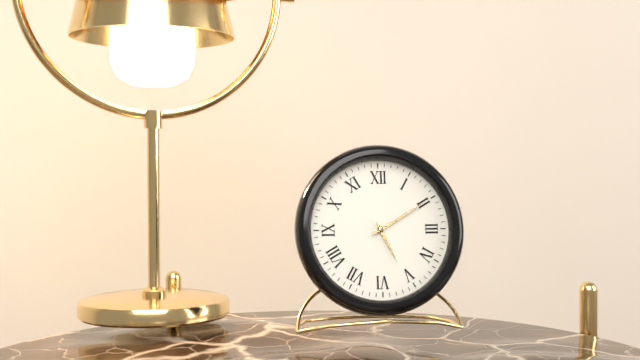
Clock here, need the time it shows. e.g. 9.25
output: 5.10
